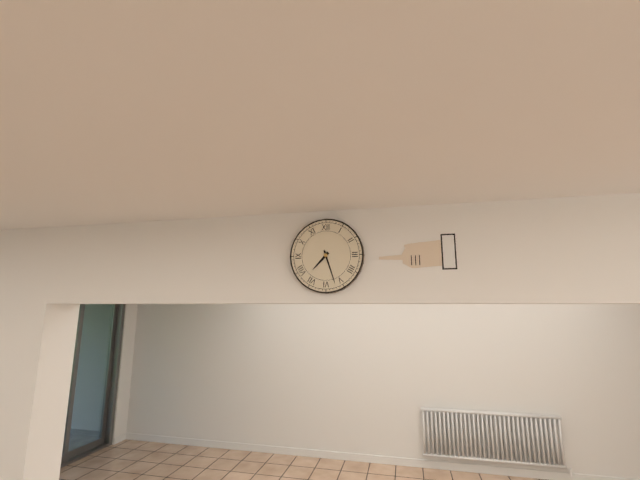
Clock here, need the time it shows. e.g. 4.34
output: 7.27
